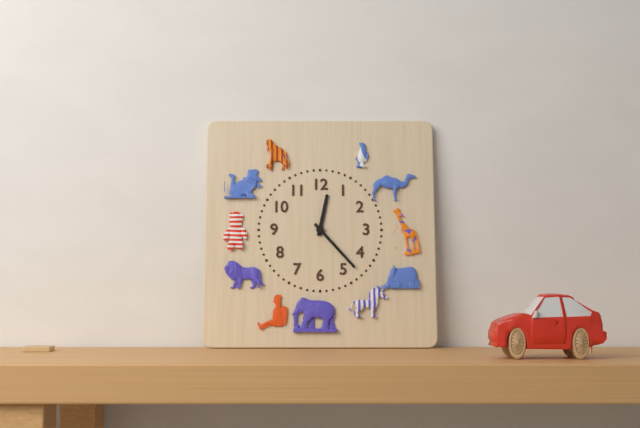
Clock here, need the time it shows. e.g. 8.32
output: 12.23
